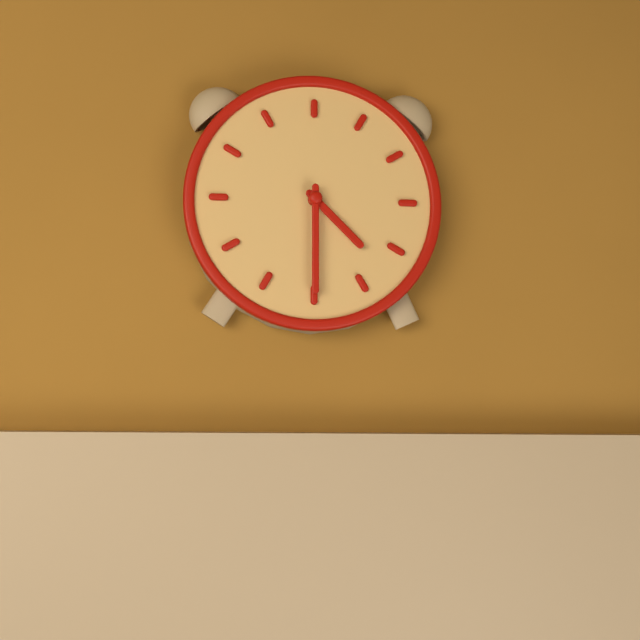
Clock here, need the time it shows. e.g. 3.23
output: 4.30
